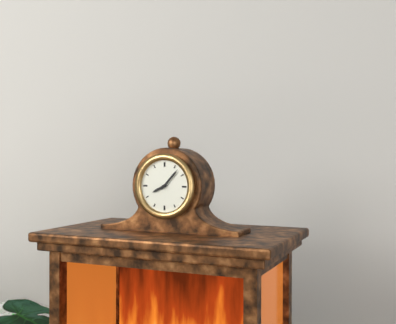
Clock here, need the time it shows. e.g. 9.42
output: 8.07
